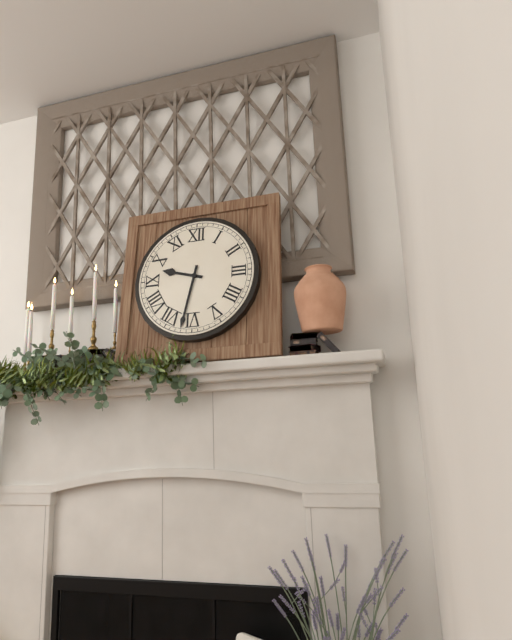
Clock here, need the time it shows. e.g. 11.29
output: 9.32
